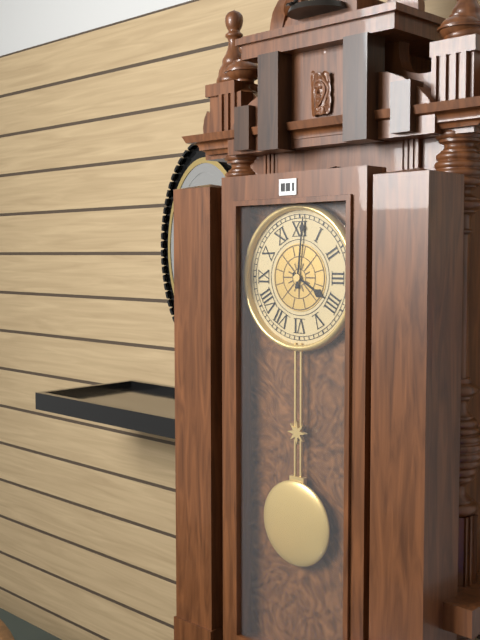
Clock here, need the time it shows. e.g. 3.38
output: 4.01
